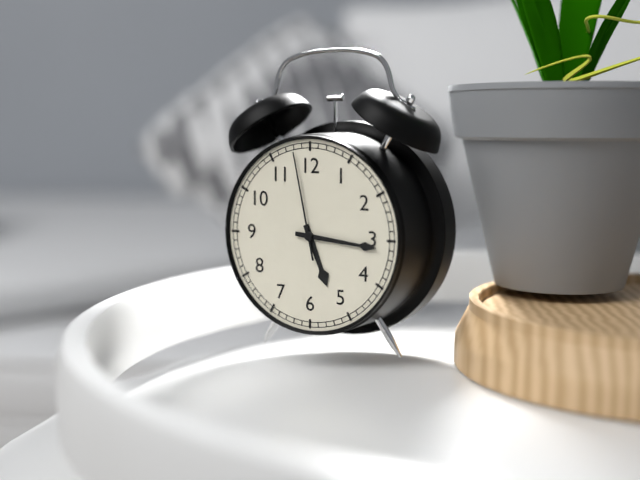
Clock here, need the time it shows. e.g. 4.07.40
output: 5.16.58
